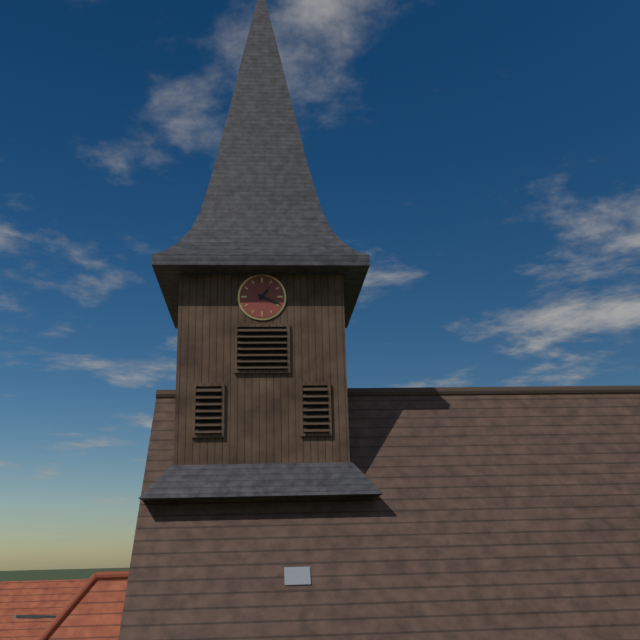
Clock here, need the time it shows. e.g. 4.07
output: 1.19
